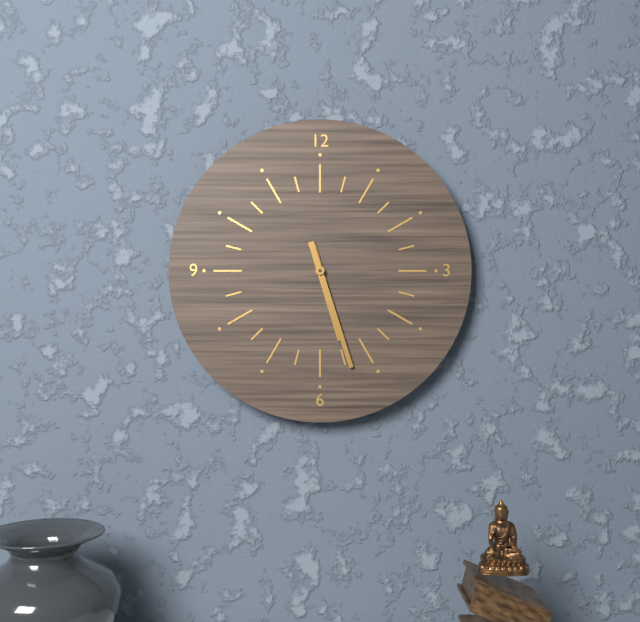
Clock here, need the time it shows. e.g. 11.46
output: 5.27
